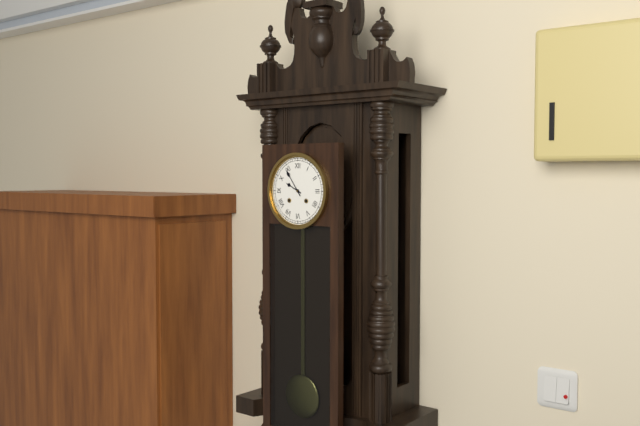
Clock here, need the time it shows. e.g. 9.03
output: 9.54
